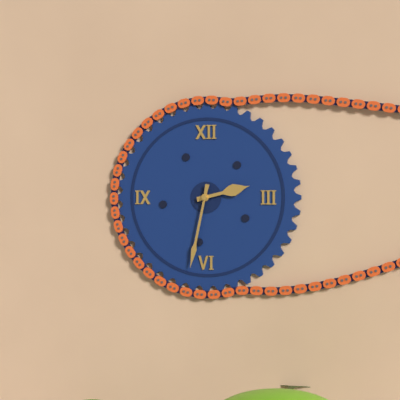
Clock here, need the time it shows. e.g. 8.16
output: 2.32
